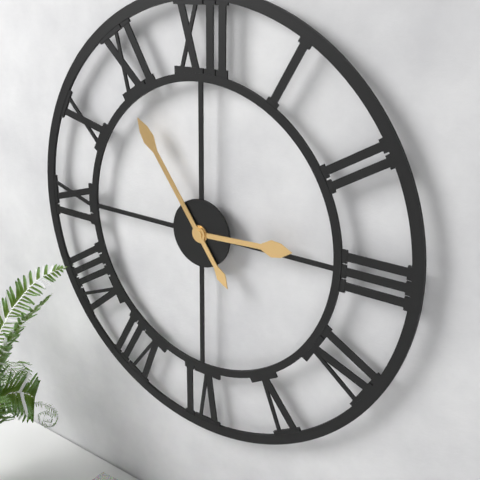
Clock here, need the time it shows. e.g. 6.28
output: 2.54
